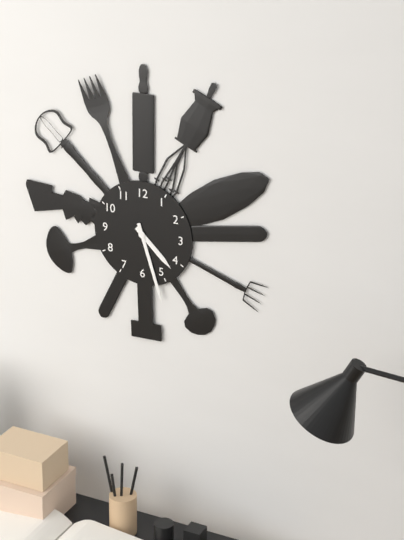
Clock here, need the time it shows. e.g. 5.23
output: 4.27
